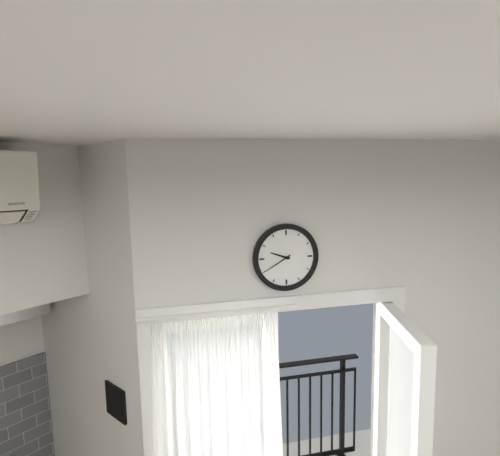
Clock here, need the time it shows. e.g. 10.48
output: 9.40
